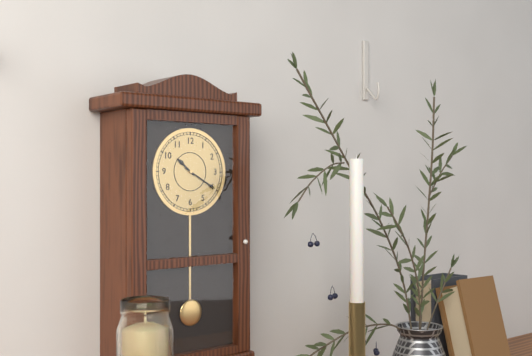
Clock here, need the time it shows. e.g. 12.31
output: 10.20
